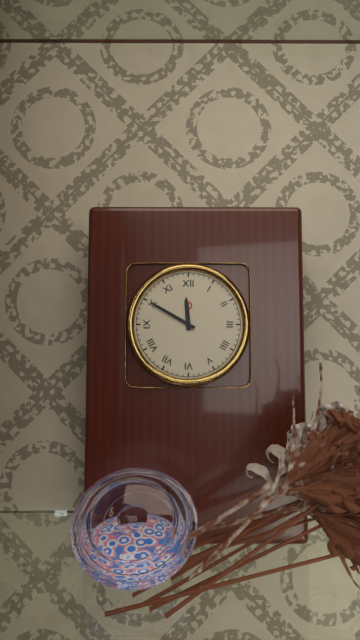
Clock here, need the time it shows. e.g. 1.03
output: 11.50
